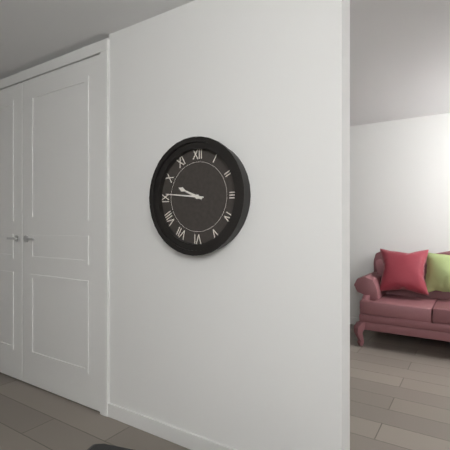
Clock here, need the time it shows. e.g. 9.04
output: 9.46
